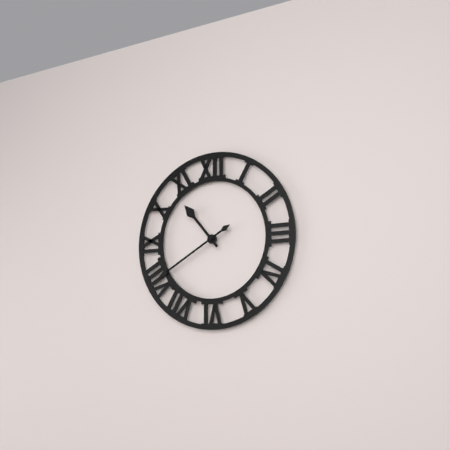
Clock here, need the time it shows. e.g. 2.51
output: 10.40
